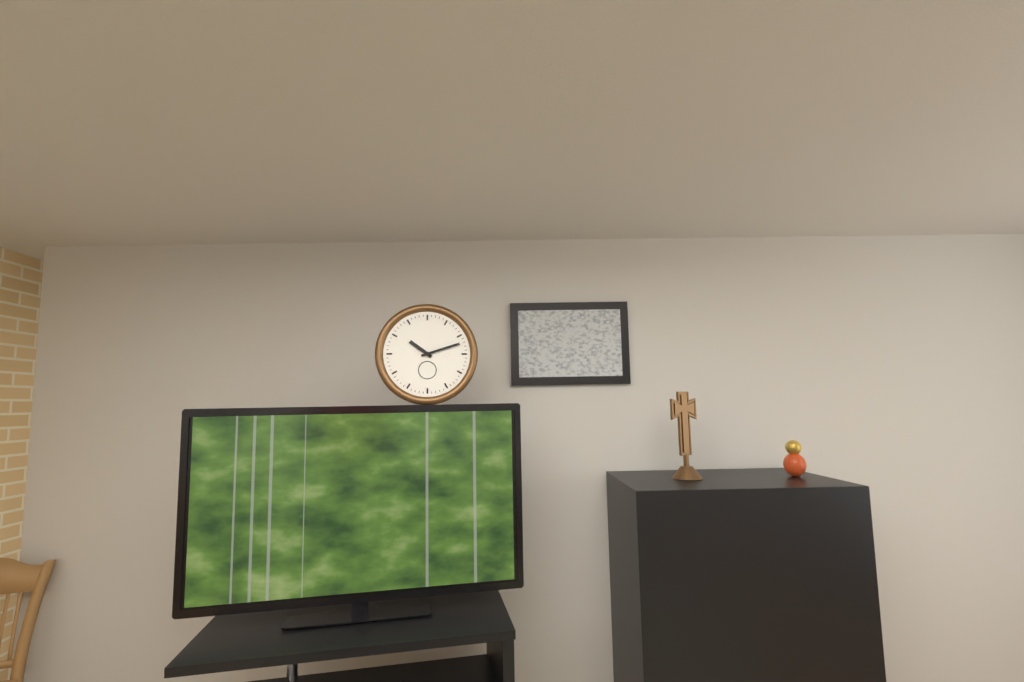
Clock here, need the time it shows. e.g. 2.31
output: 10.12
